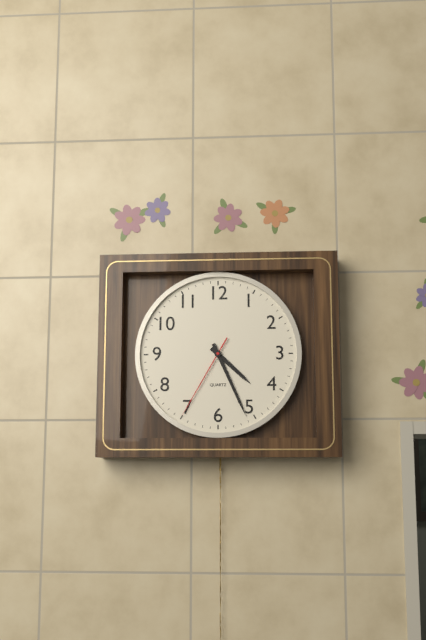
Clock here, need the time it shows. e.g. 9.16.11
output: 4.26.35
